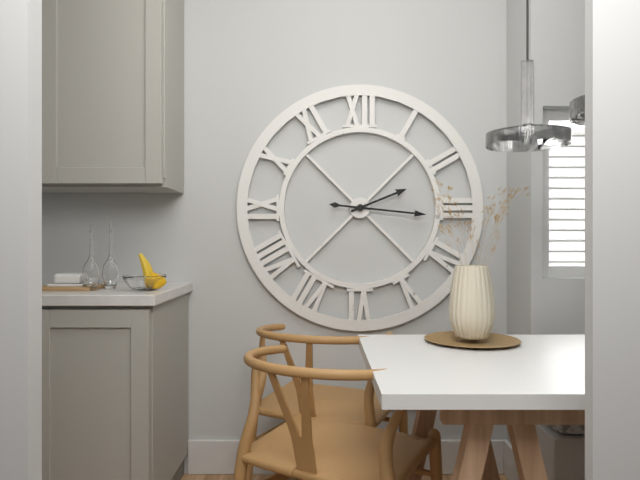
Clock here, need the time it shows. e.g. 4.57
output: 2.16
